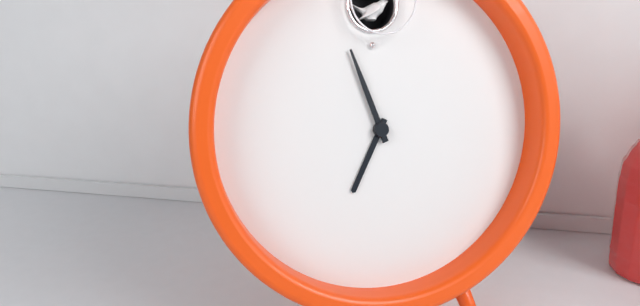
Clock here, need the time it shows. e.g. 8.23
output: 6.57
